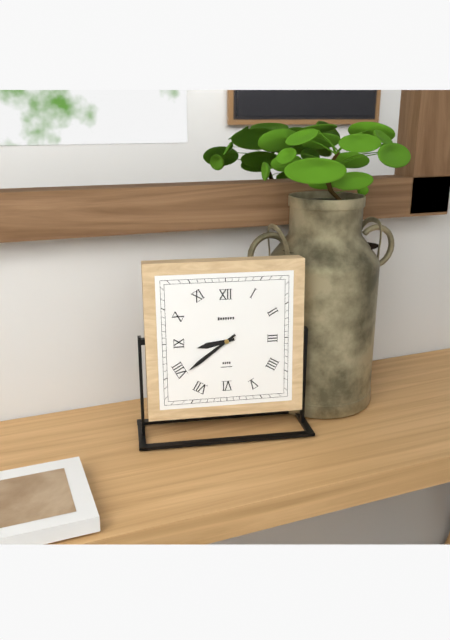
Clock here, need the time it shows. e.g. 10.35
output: 8.39
